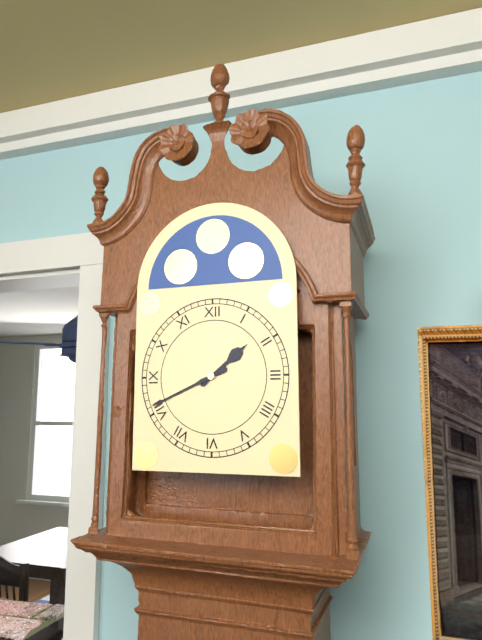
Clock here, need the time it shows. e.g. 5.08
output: 1.41
